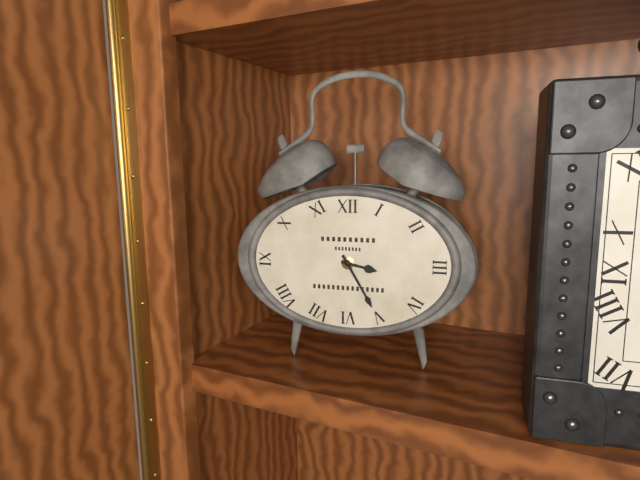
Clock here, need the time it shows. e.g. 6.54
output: 3.25
